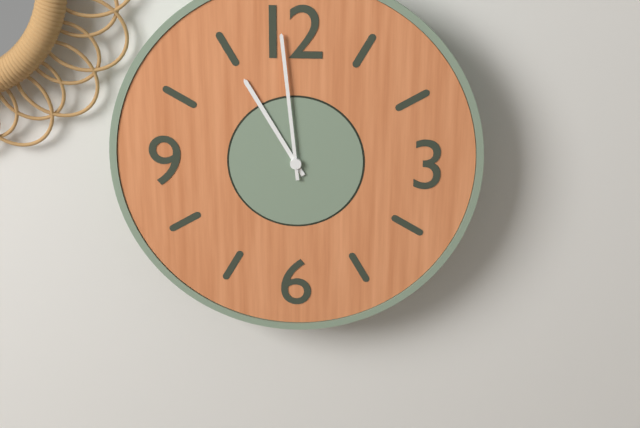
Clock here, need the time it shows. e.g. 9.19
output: 10.59
